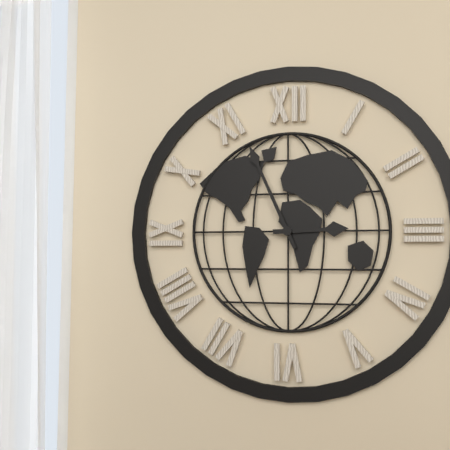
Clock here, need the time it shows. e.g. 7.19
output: 2.56
